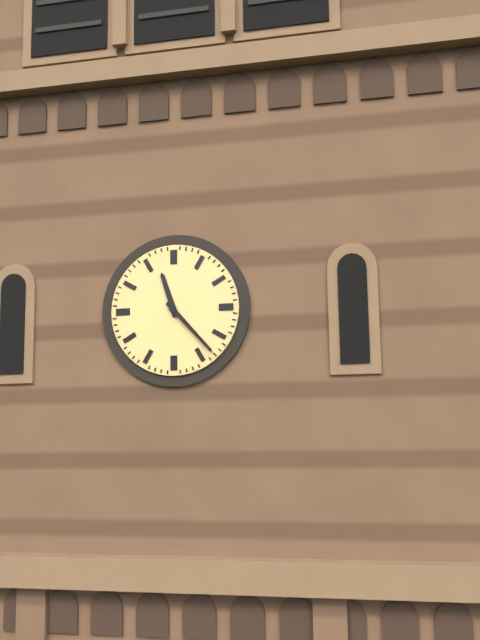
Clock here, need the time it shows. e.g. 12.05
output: 11.23
